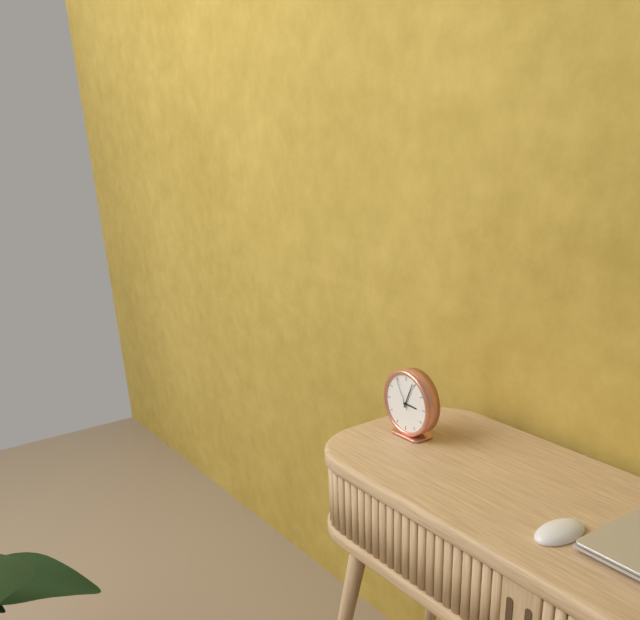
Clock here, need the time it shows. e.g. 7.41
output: 3.04
